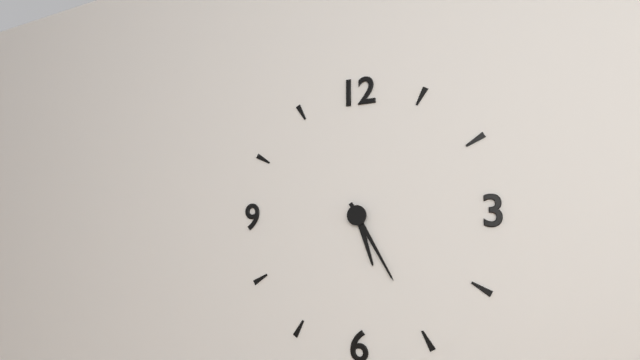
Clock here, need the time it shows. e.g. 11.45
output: 5.25
